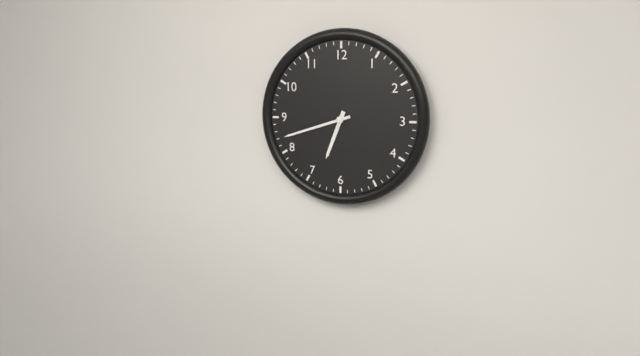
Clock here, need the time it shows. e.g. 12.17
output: 6.42
